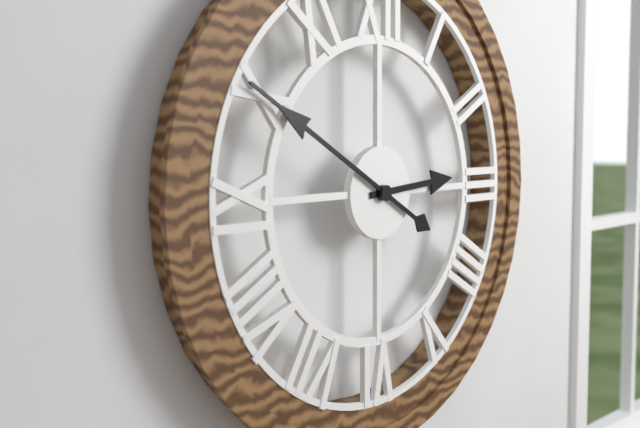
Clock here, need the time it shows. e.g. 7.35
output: 2.50
